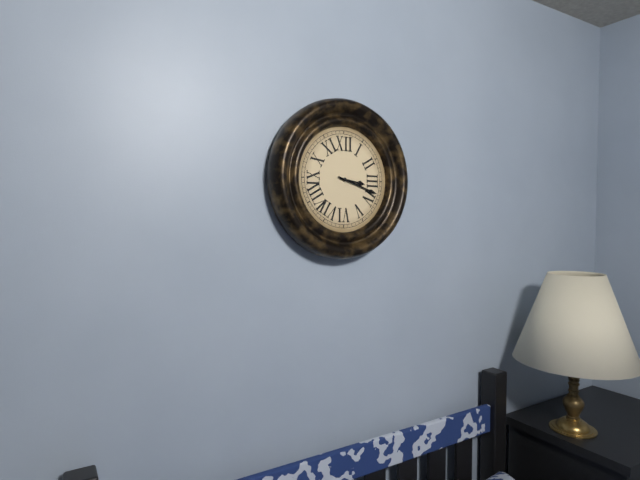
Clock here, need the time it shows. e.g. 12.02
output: 3.18
